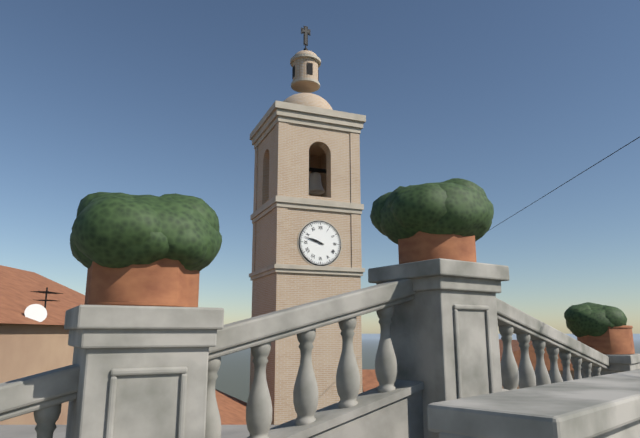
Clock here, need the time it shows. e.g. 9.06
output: 9.48
